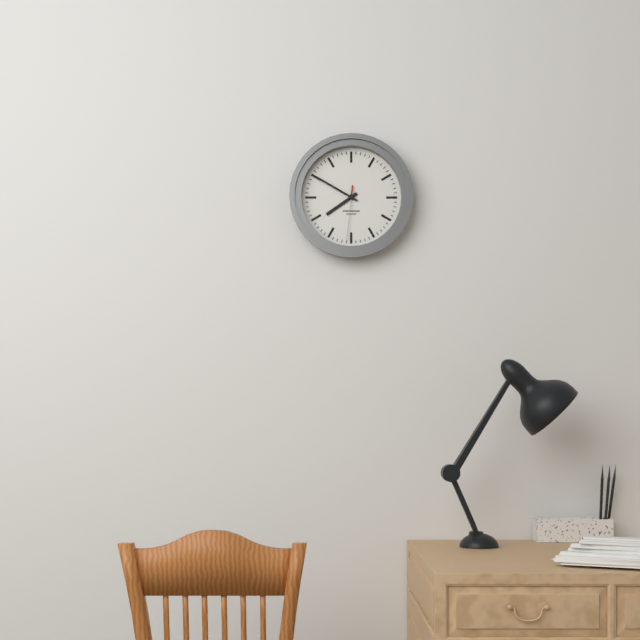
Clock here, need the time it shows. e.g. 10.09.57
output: 7.50.31
